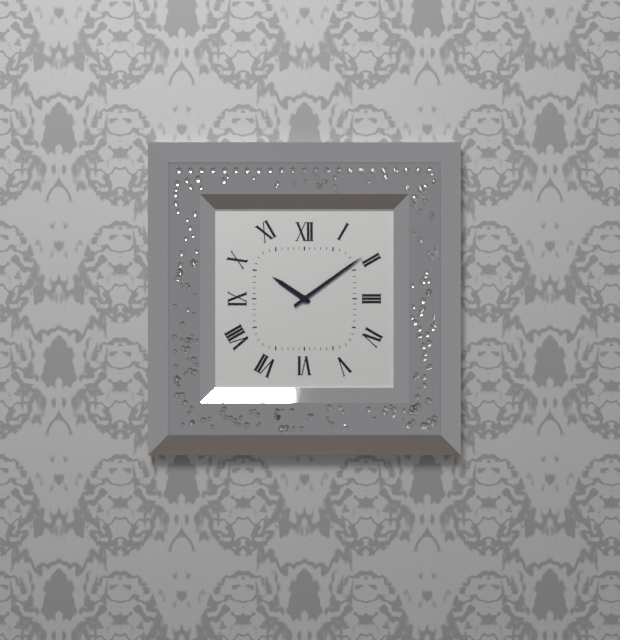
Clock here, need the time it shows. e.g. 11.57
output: 10.09
